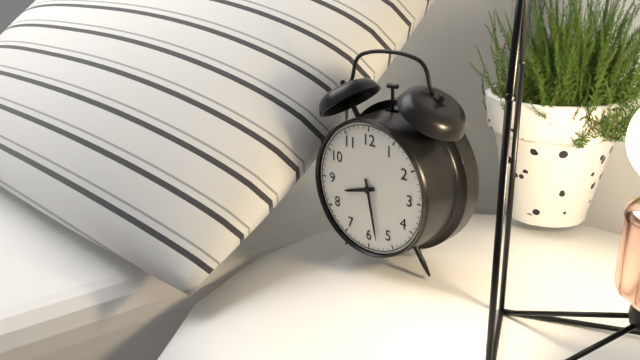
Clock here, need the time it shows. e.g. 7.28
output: 8.28
